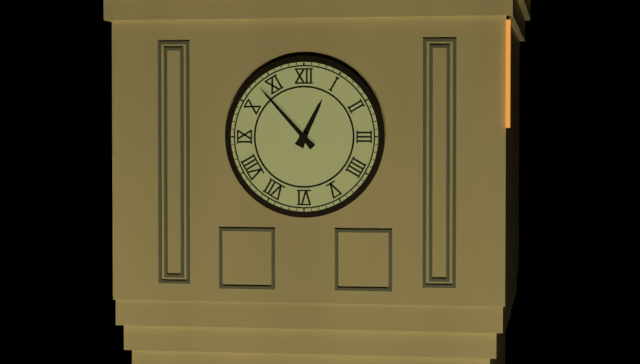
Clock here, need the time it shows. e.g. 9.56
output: 12.53
